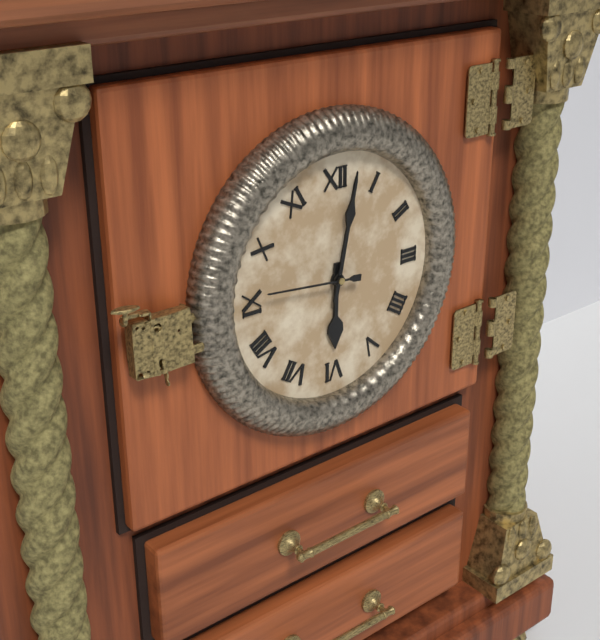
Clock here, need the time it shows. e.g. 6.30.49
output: 6.02.46
